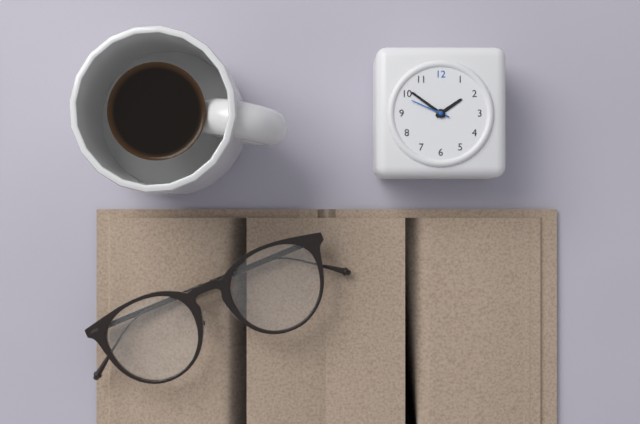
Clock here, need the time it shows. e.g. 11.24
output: 1.51
